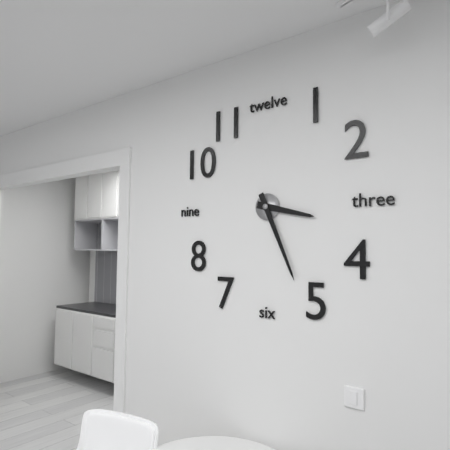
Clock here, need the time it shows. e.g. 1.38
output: 3.26
